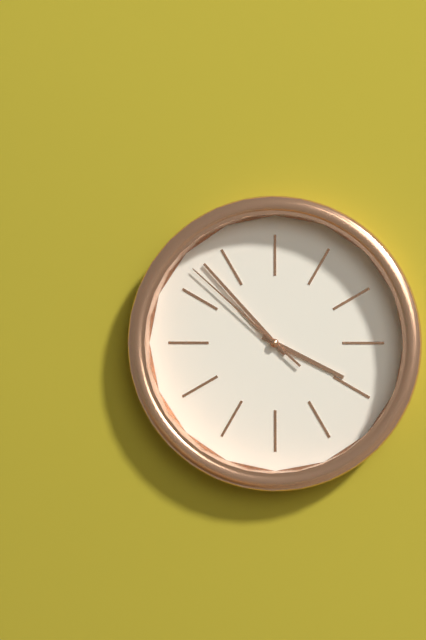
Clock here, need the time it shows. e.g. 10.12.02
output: 3.53.52
